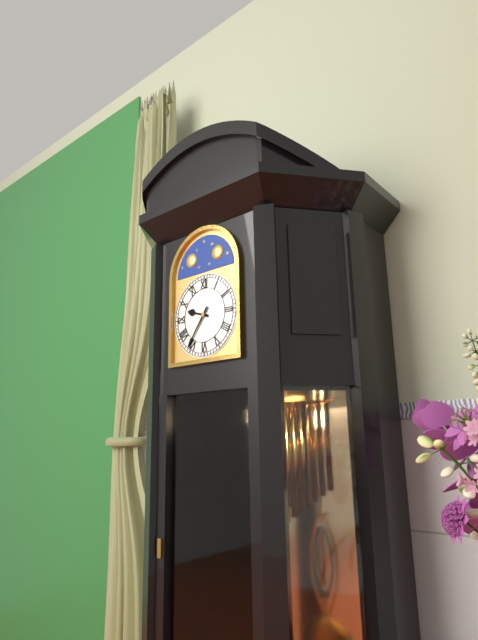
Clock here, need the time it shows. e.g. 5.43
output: 9.36
